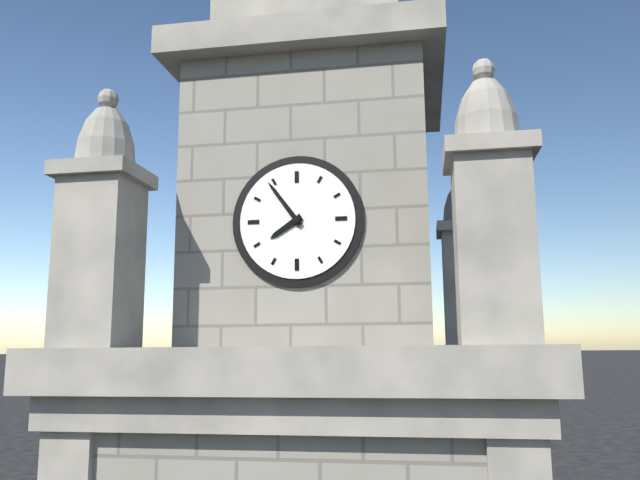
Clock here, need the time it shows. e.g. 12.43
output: 7.54
